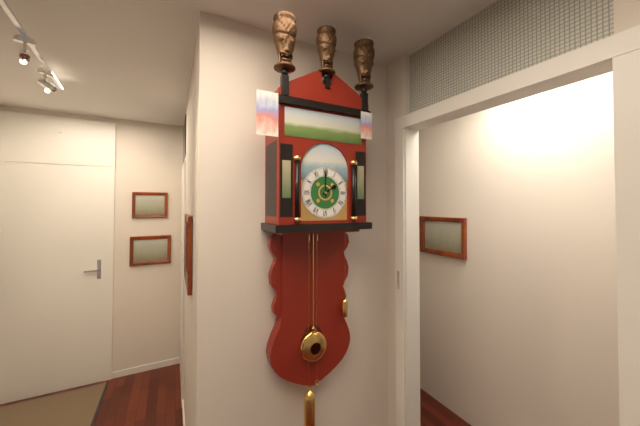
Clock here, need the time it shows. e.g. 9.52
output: 2.00
